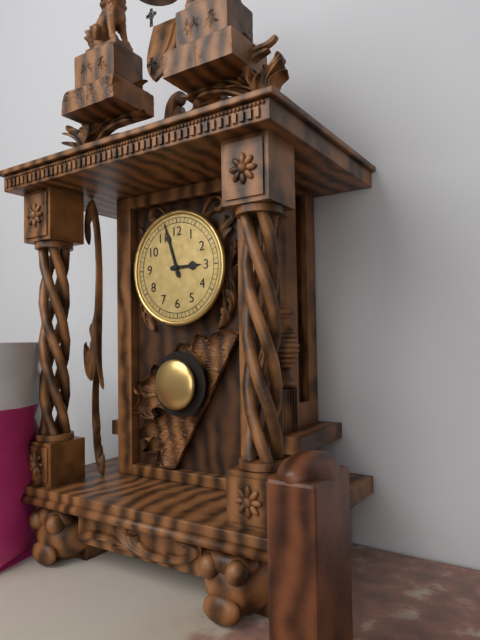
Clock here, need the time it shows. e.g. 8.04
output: 2.57
